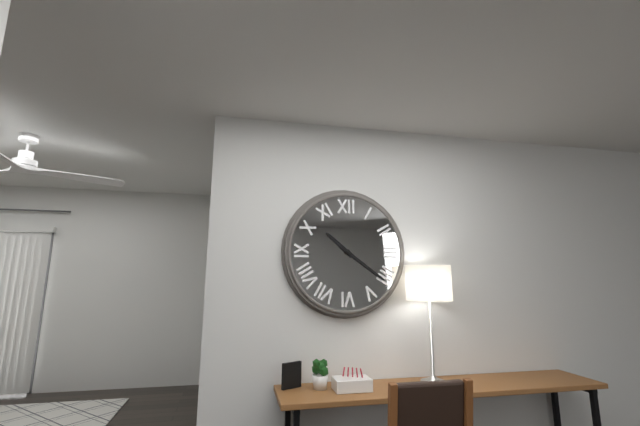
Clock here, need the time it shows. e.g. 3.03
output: 10.21
